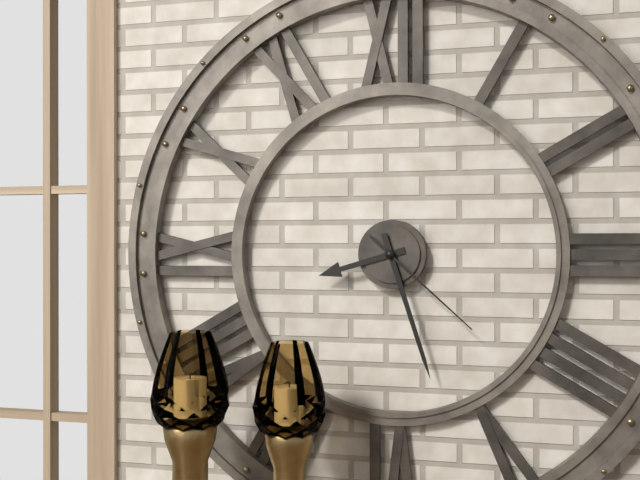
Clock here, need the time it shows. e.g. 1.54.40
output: 8.27.22
